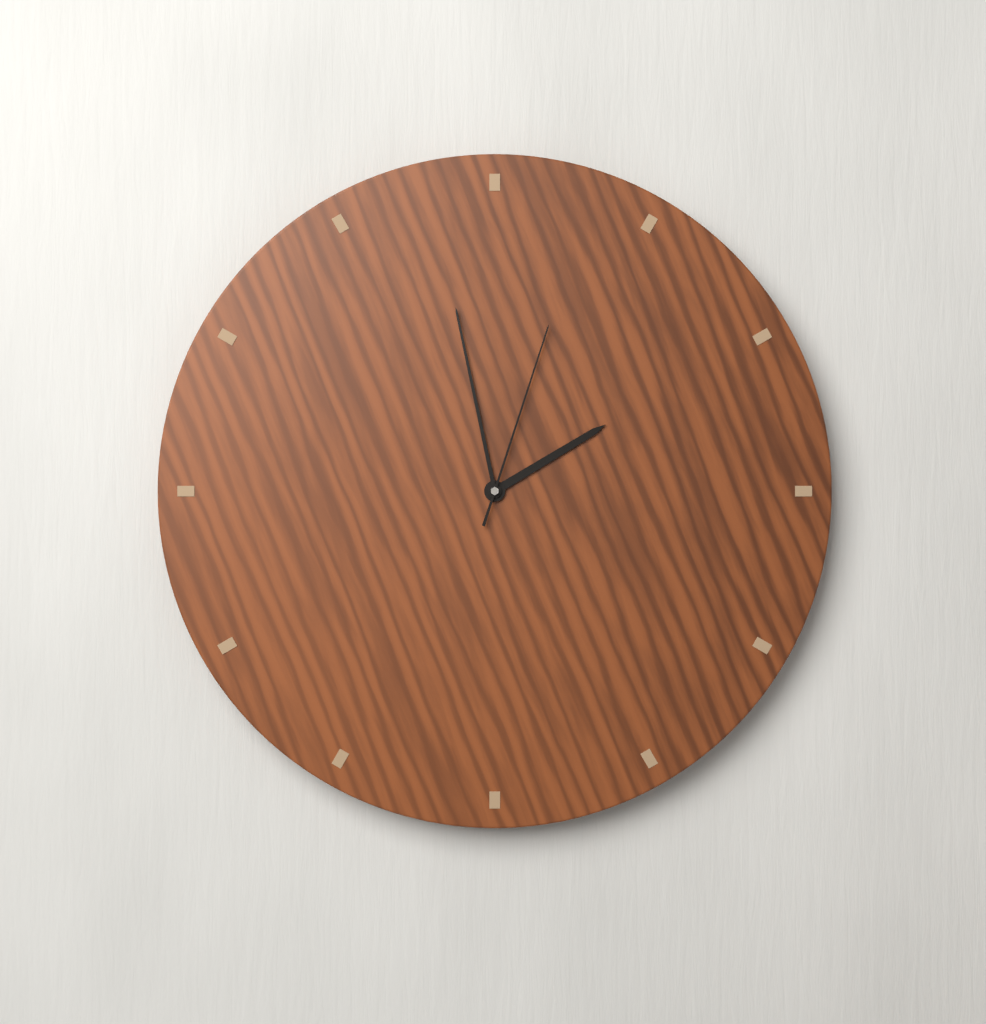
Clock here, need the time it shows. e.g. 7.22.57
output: 1.58.03
